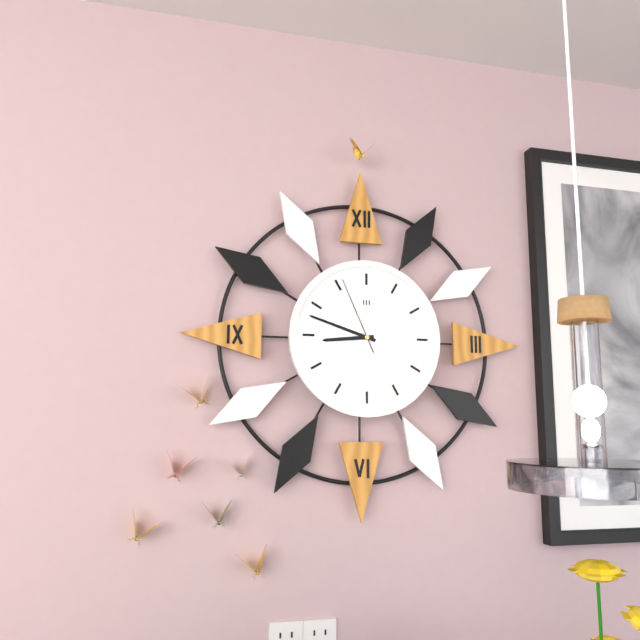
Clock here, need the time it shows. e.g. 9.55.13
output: 8.48.56
